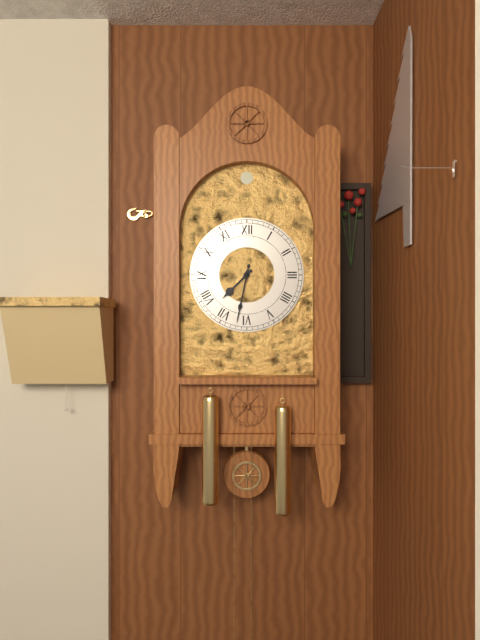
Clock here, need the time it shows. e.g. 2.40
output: 7.32
